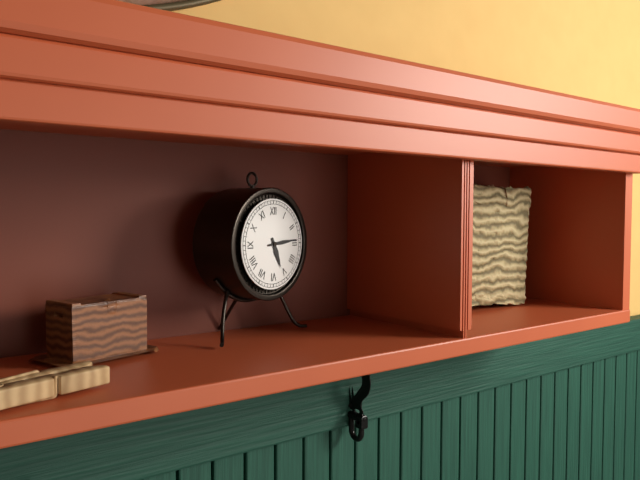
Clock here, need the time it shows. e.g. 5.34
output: 5.14
